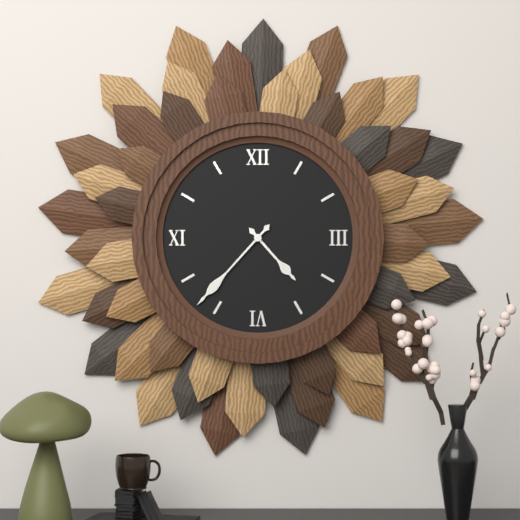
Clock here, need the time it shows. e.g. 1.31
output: 4.37
